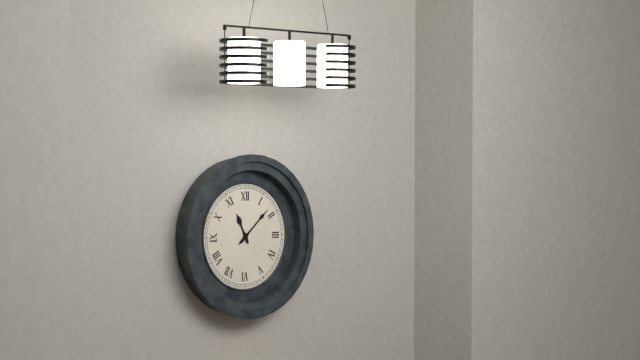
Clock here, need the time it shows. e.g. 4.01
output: 11.08
